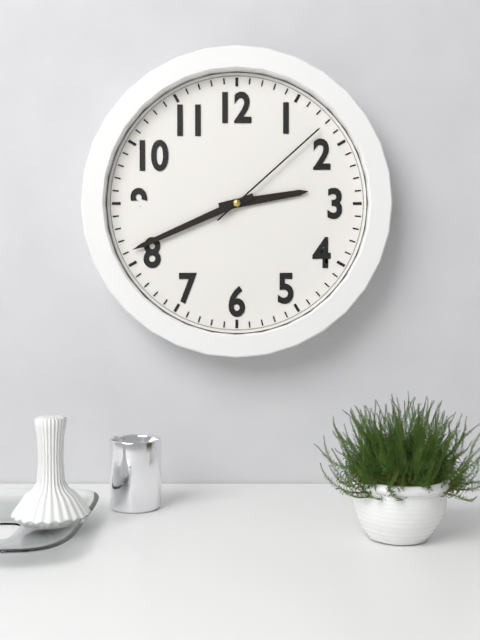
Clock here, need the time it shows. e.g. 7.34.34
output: 2.41.08
